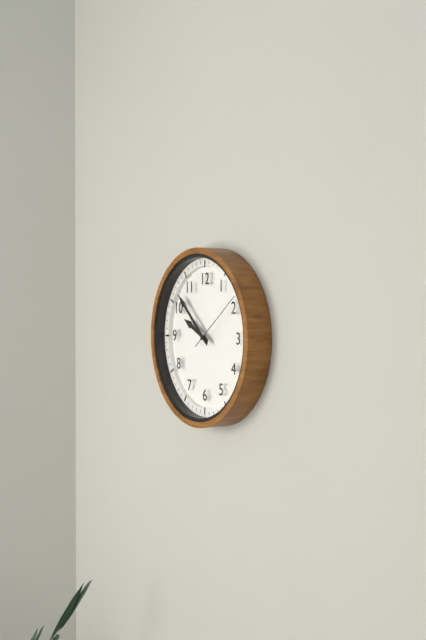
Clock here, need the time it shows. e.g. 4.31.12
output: 9.52.09
